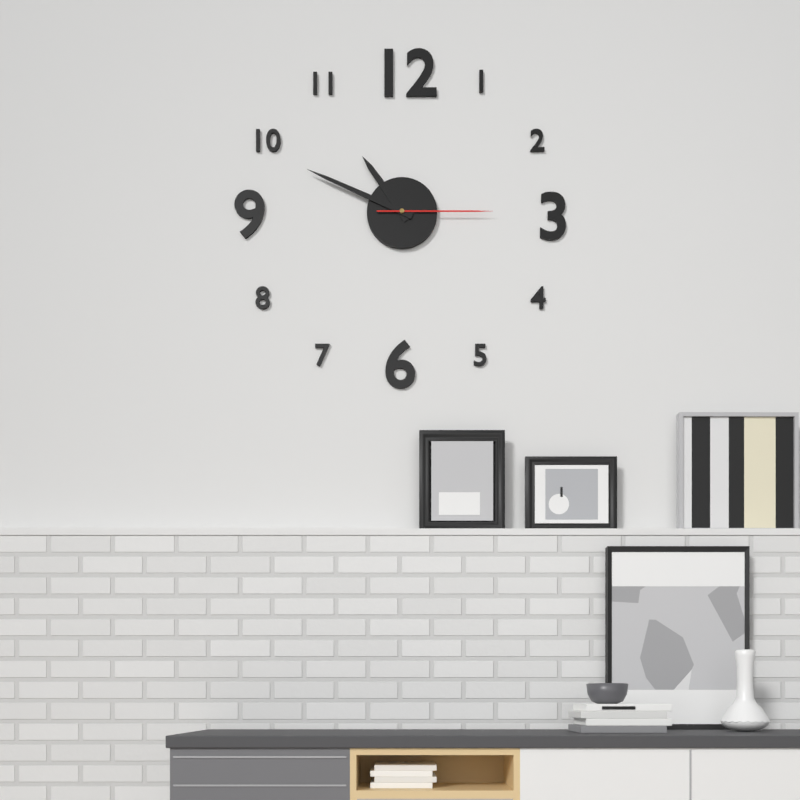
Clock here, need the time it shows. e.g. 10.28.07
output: 10.49.15
